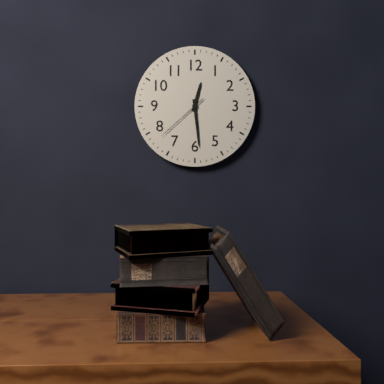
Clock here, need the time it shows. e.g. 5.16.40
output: 12.29.38
